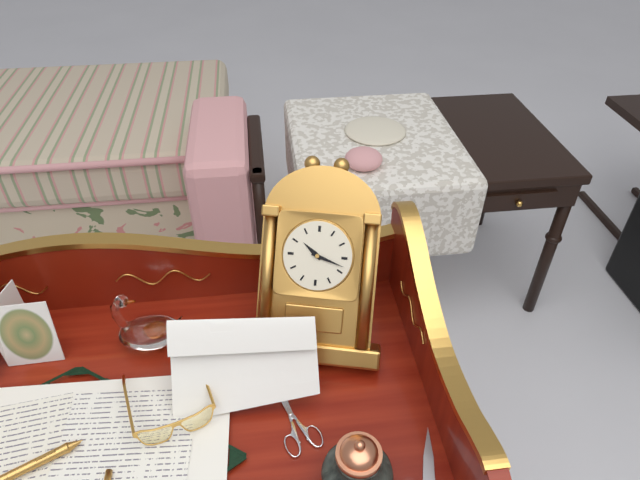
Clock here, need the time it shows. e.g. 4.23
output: 10.18
